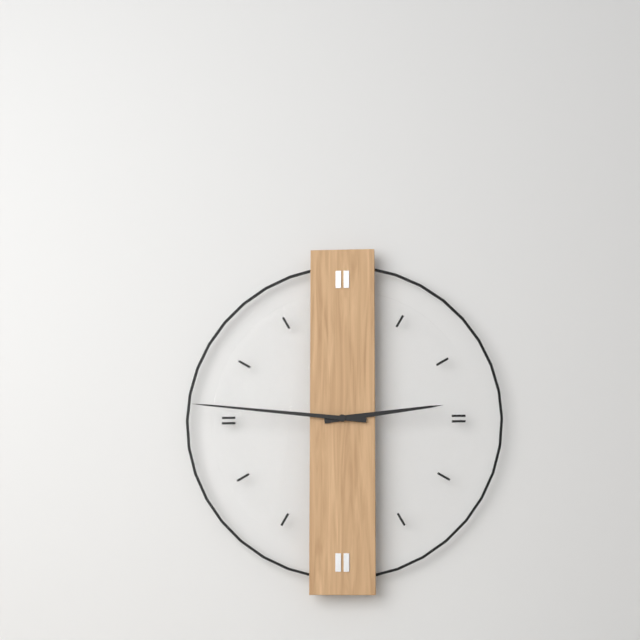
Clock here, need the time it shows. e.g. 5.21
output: 2.46
